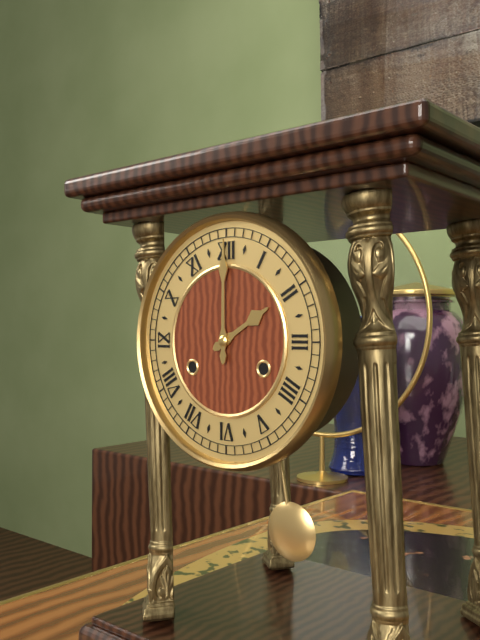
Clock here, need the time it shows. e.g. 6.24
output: 2.00
